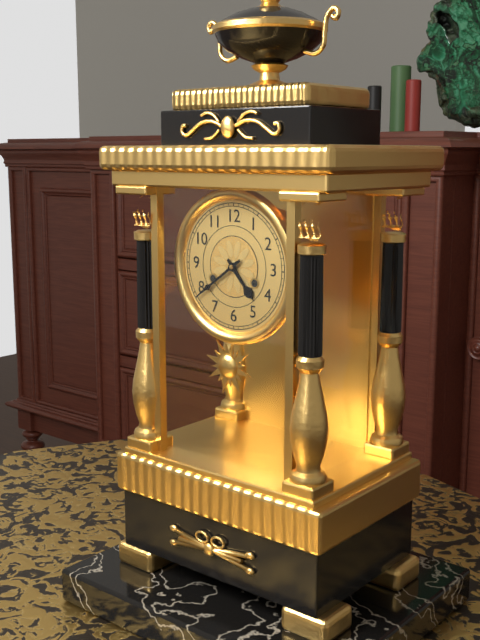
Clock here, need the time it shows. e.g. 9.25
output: 4.39
